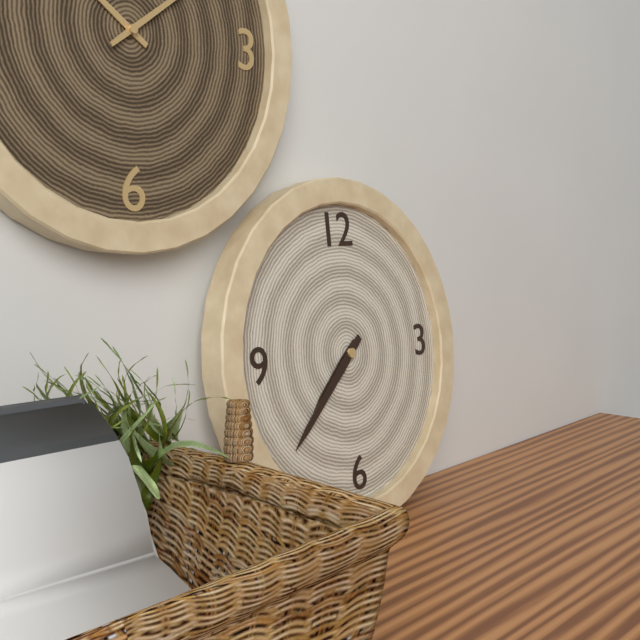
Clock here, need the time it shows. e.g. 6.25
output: 7.38
